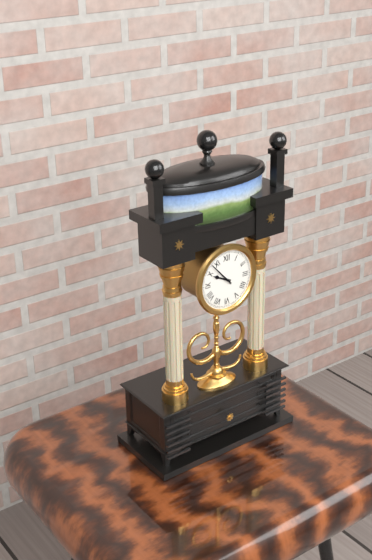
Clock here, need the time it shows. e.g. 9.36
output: 9.53
